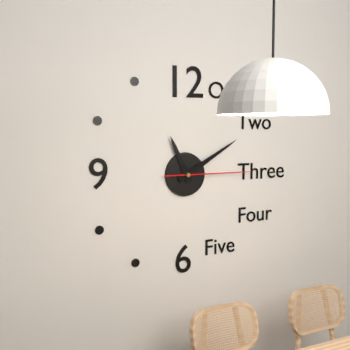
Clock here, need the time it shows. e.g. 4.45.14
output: 11.10.15
